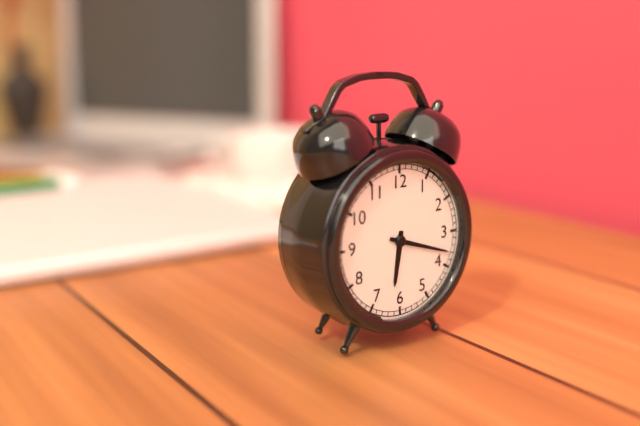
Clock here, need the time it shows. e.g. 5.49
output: 6.18
